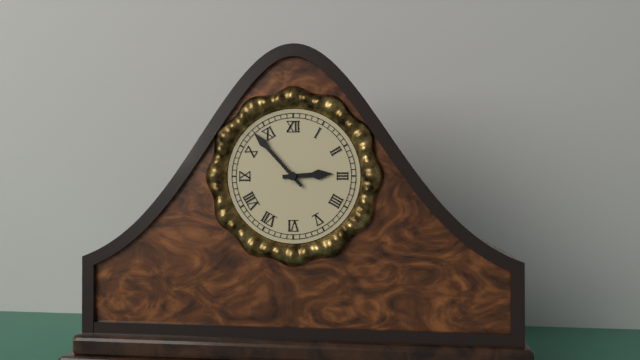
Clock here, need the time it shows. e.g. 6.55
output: 2.53
